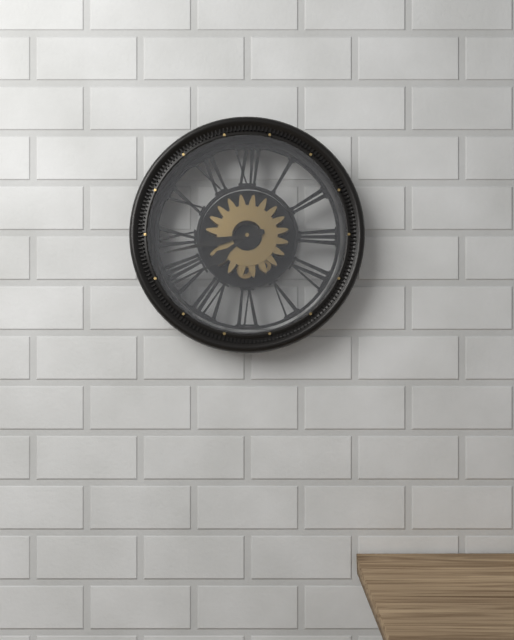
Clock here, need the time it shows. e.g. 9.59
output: 7.43
